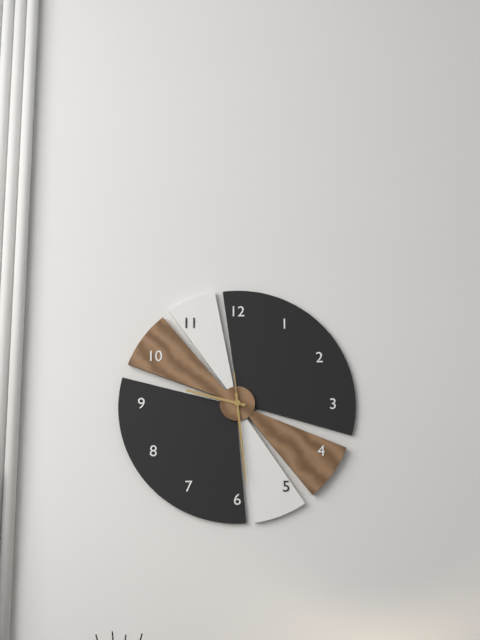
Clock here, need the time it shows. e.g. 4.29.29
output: 9.29.29
